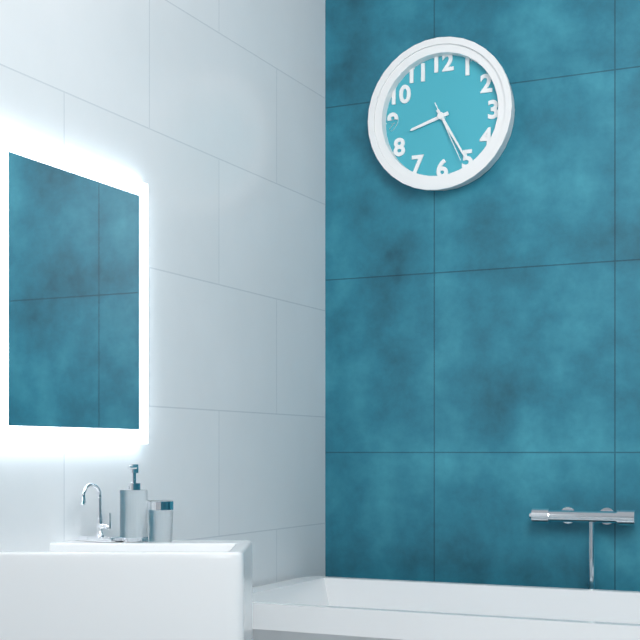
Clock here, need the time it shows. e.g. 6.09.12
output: 8.25.26
